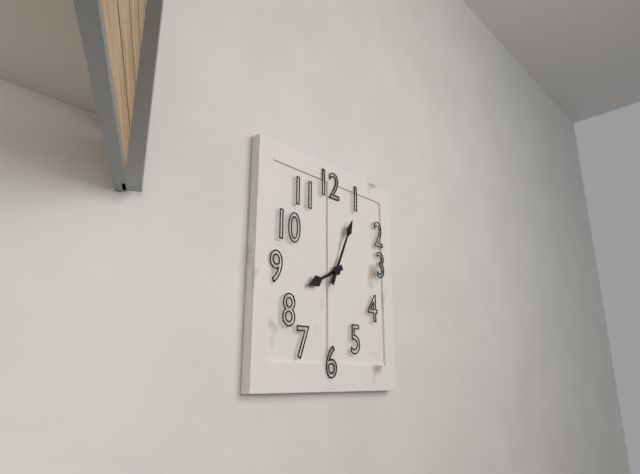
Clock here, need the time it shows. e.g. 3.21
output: 8.04
